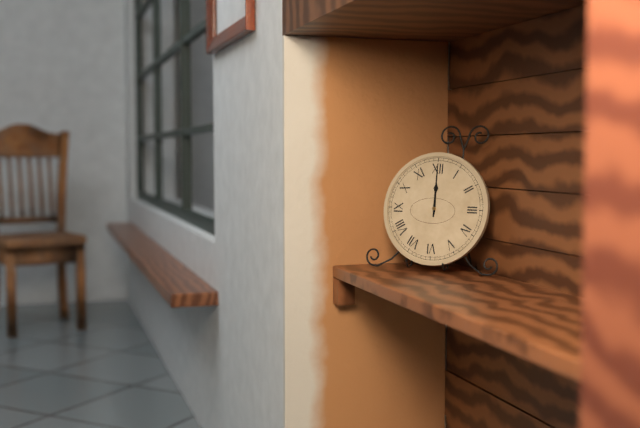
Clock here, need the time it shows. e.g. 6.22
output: 12.00
